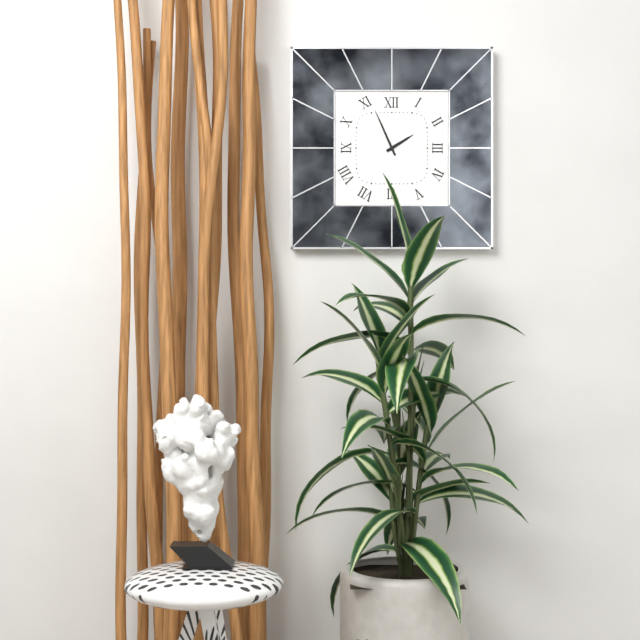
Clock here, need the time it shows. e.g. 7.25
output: 1.56
